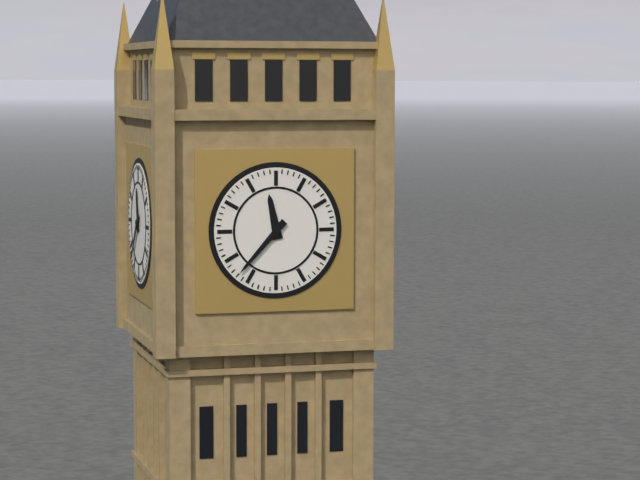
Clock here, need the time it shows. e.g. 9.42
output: 11.37
